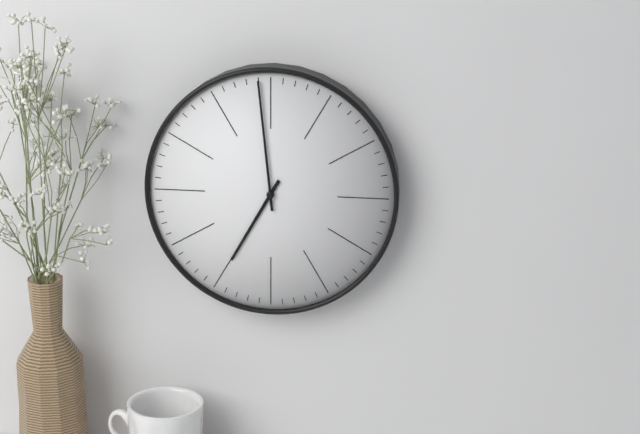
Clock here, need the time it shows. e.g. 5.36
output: 6.59
